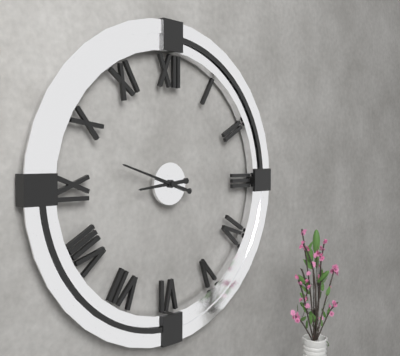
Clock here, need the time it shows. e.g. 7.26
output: 8.48
